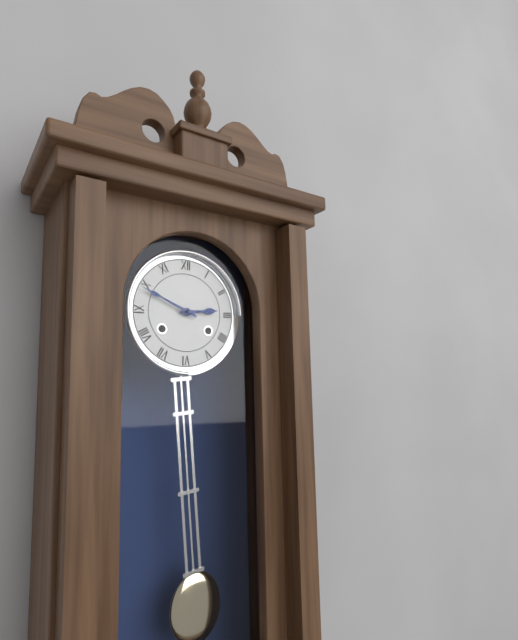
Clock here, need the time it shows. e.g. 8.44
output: 2.49
